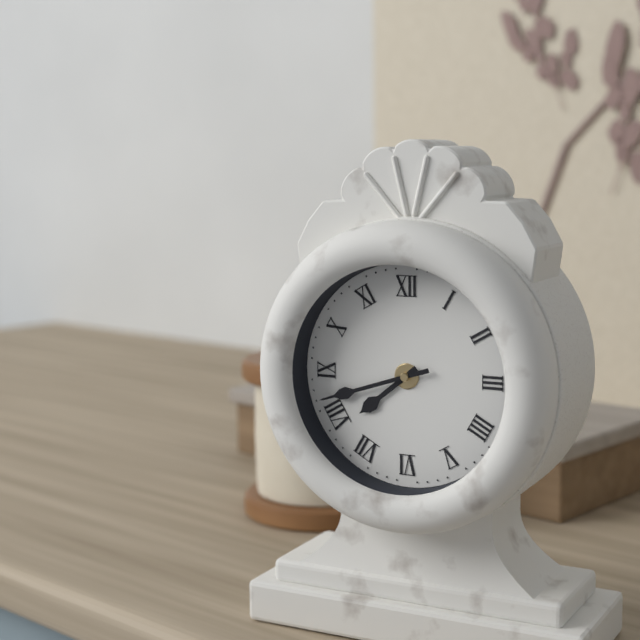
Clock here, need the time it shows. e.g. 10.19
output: 7.42
